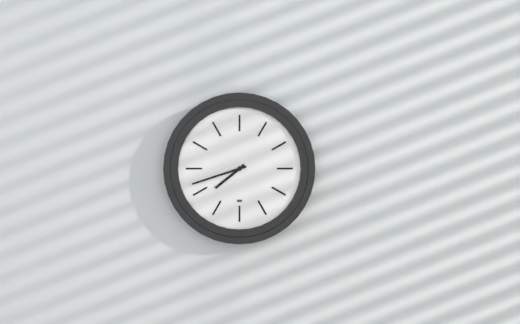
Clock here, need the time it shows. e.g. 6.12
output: 7.42
